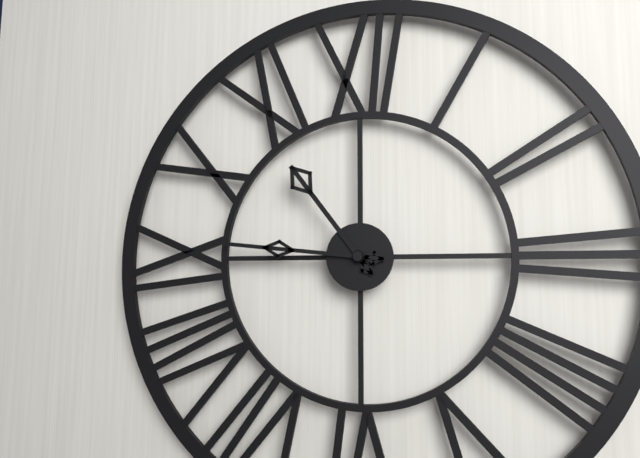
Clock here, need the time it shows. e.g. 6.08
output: 10.46
